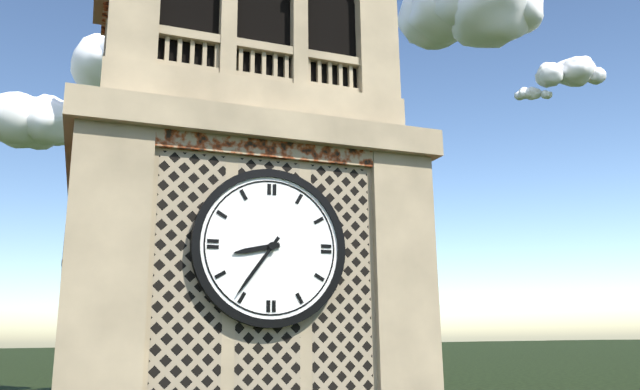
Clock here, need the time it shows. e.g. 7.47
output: 8.36
